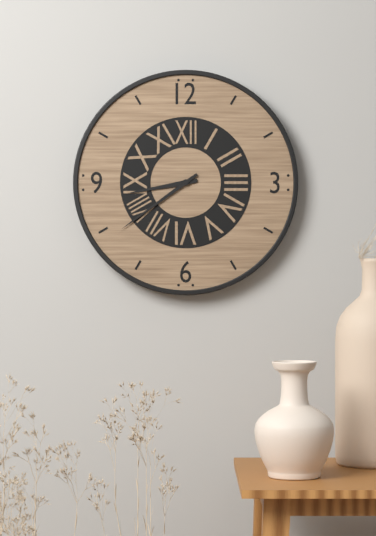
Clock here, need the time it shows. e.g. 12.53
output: 8.39
